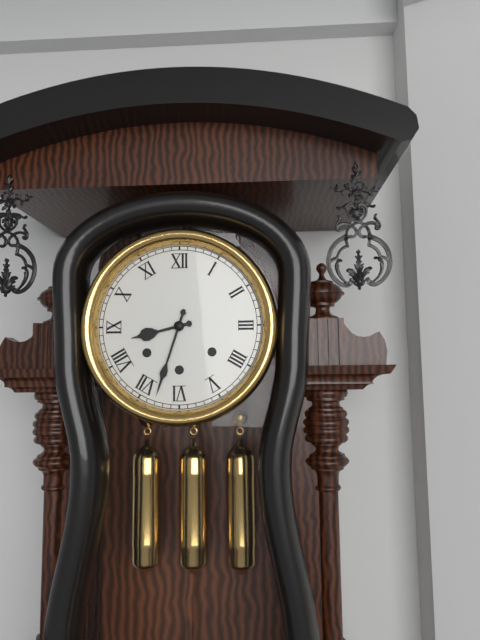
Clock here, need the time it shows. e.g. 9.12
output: 8.33
